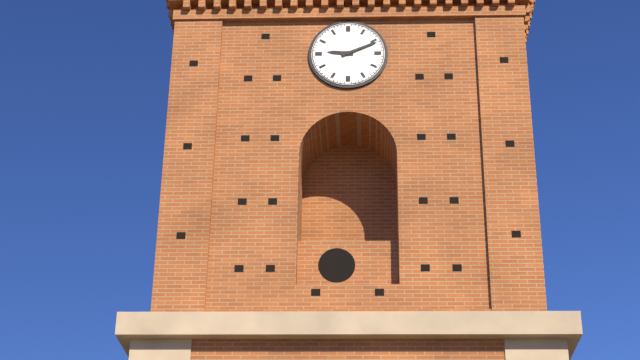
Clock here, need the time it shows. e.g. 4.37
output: 9.11
